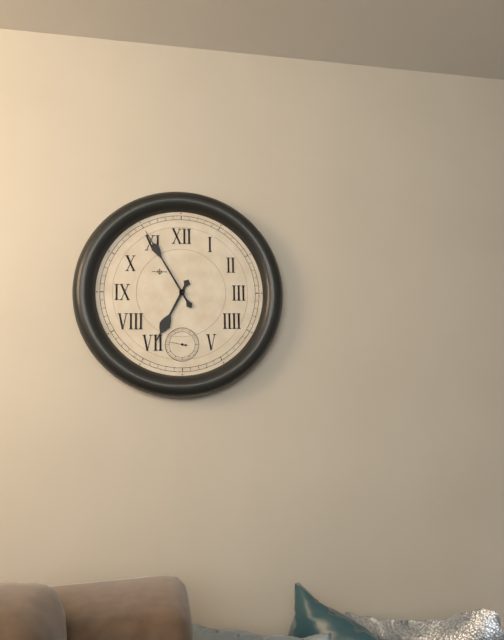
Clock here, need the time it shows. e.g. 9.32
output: 6.55
